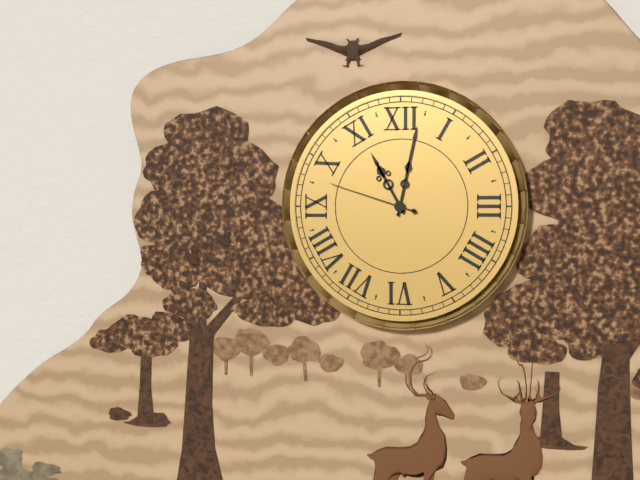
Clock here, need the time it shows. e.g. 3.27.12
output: 11.02.48
